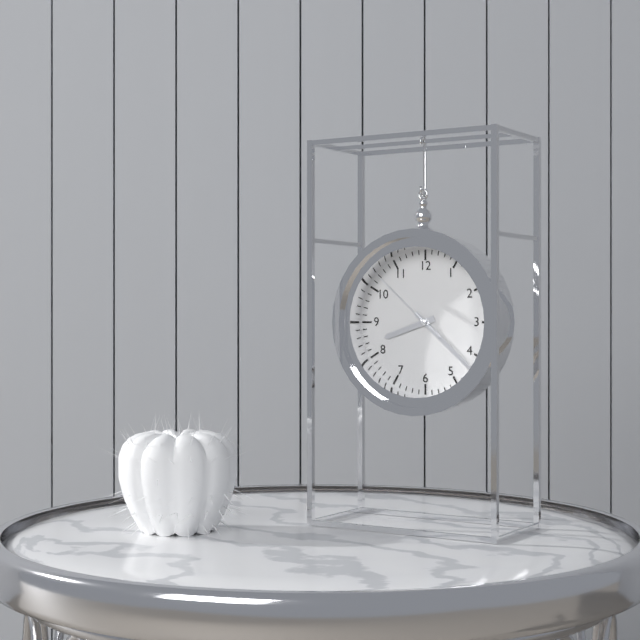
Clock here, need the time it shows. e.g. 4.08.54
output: 8.22.52
